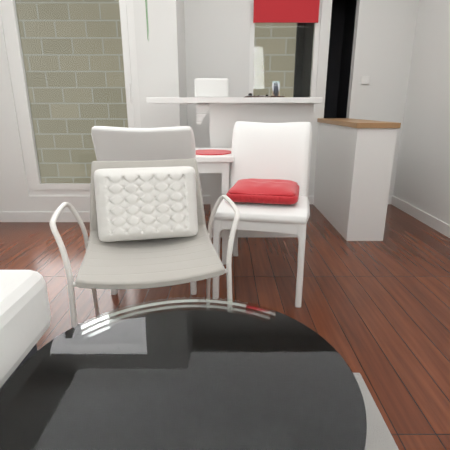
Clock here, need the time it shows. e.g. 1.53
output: 5.51
